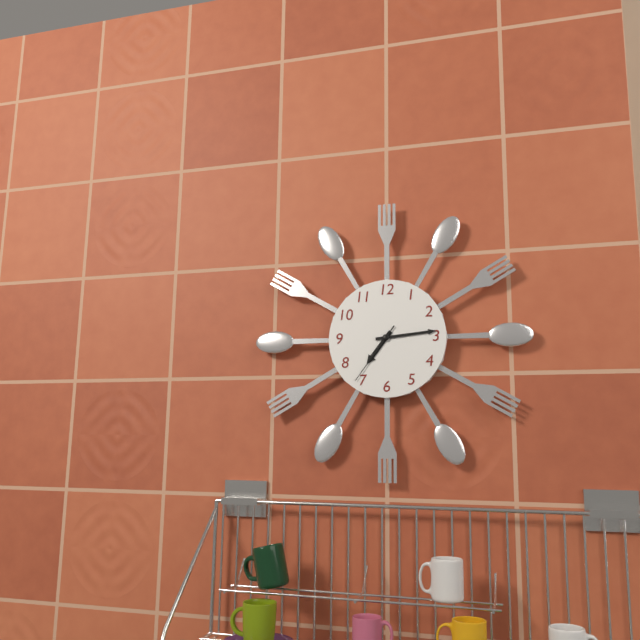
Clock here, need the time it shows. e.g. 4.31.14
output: 7.14.36
